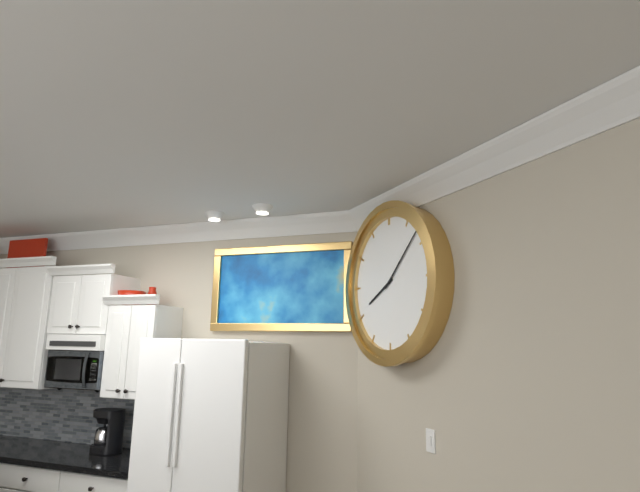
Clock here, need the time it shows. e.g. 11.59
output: 8.08
